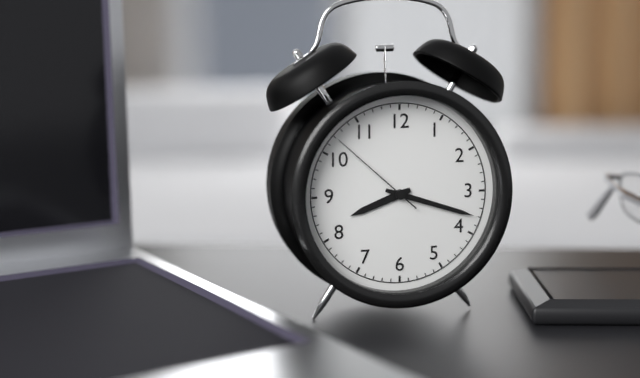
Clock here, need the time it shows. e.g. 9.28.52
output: 8.18.52
